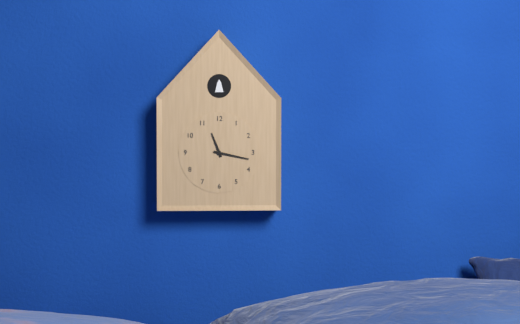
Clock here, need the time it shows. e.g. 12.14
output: 11.17
